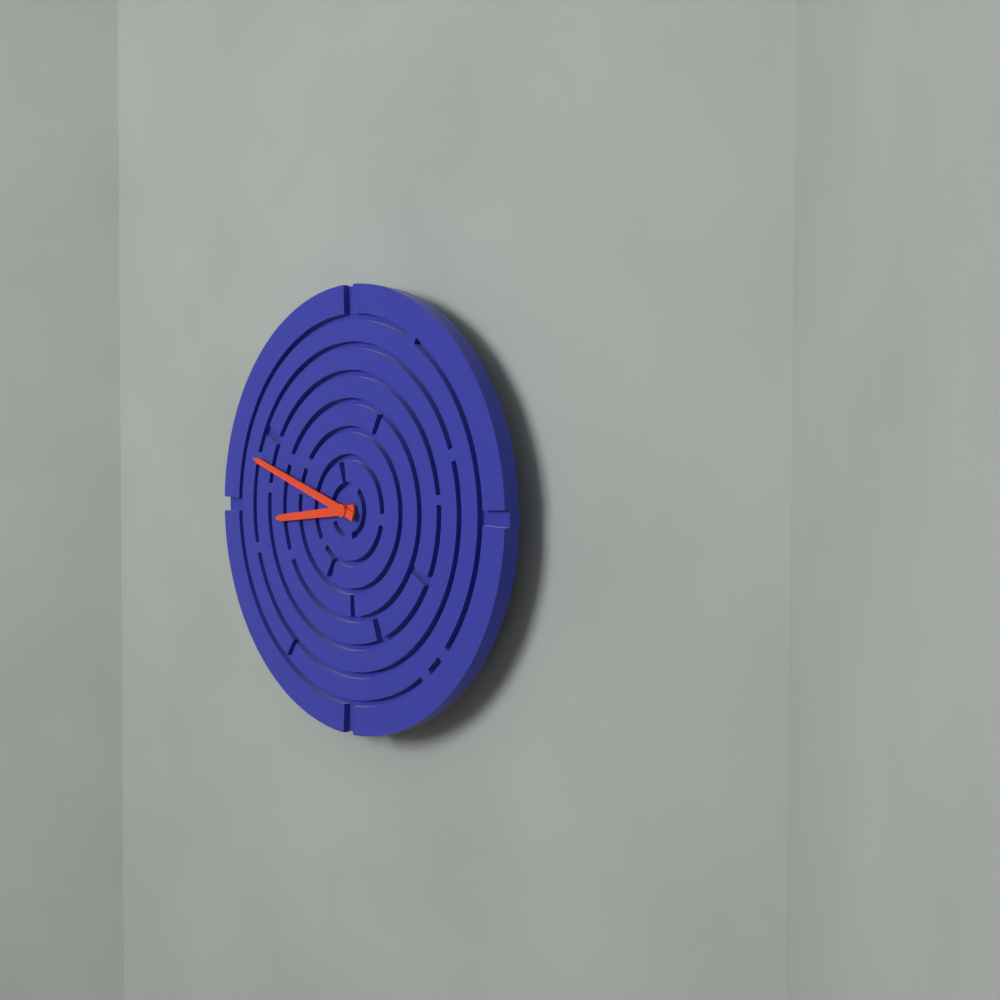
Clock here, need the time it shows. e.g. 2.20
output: 8.48
